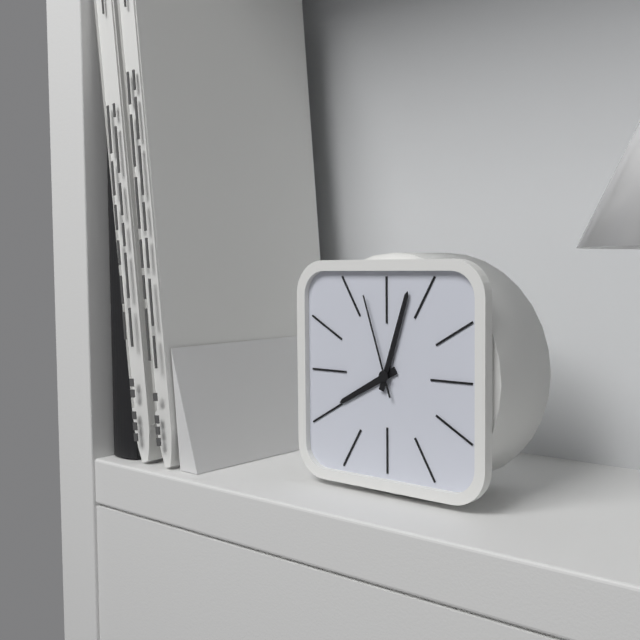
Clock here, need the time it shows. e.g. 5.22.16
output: 8.03.57
